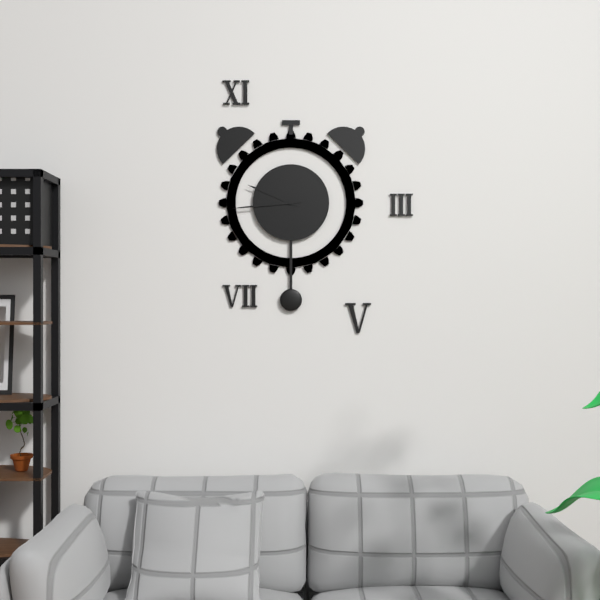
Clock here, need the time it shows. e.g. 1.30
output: 9.44
